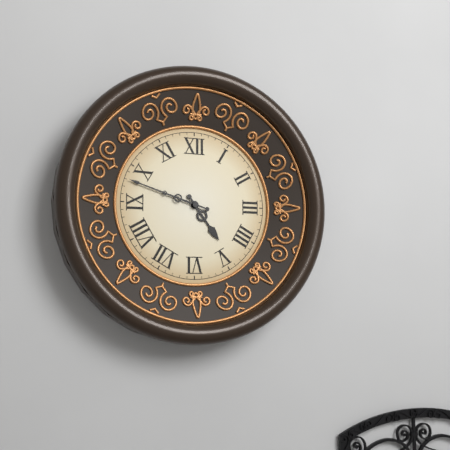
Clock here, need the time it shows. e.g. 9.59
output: 4.48
